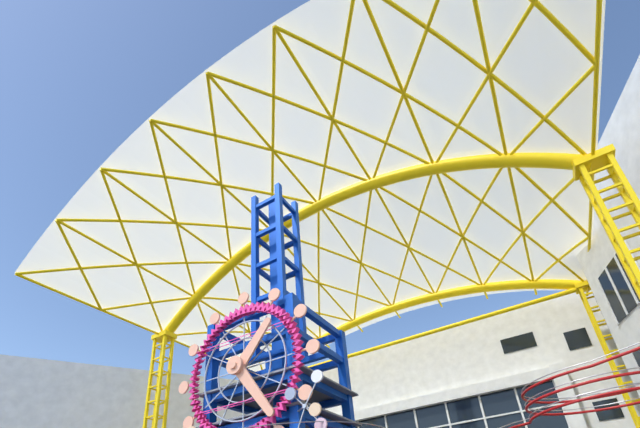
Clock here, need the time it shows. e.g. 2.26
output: 1.24
